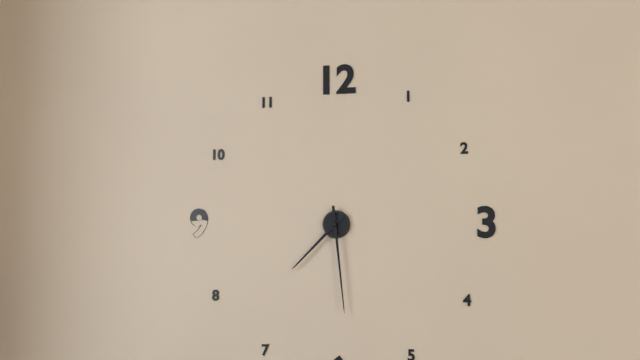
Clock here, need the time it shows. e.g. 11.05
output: 7.29
